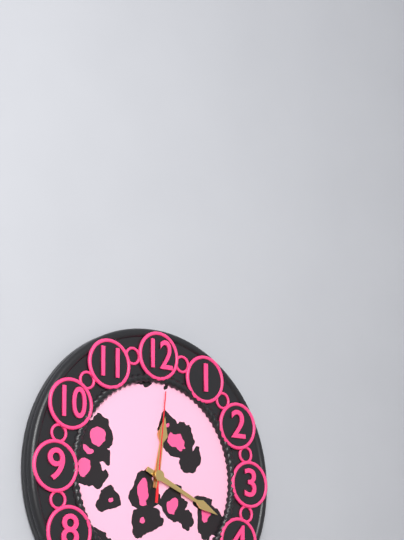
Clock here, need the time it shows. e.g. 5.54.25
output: 12.19.01
